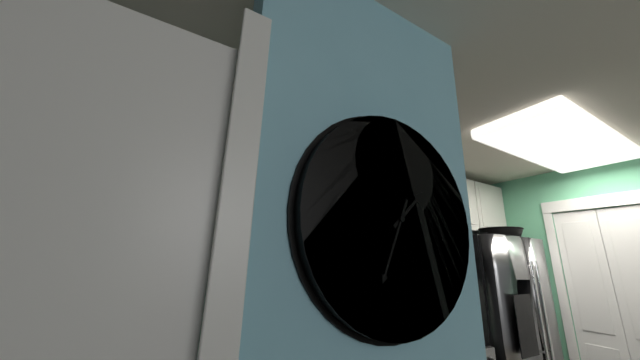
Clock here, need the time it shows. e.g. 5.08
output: 1.34
